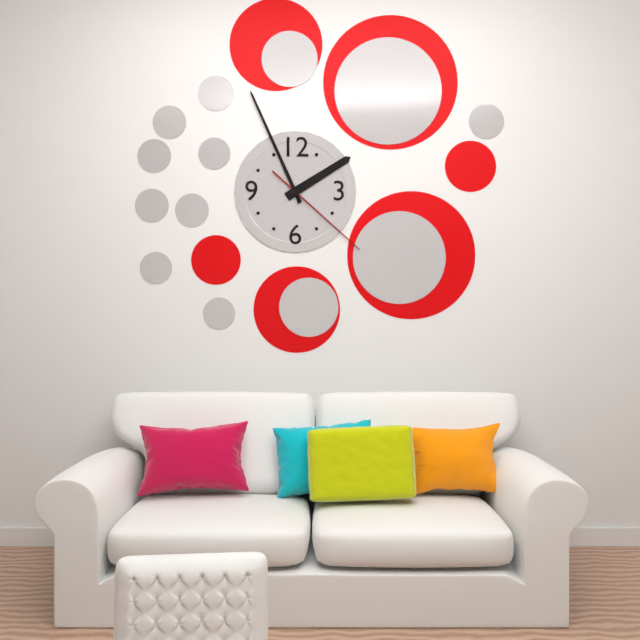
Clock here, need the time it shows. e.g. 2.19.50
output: 1.56.22
